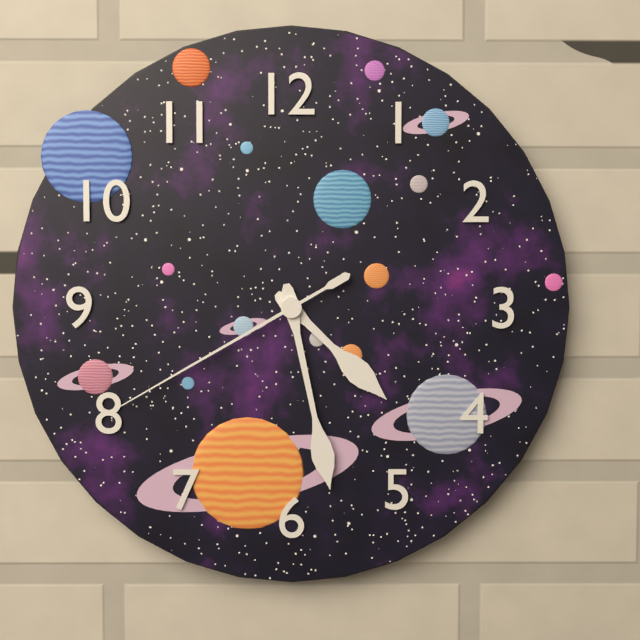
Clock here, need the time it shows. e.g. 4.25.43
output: 4.28.40
